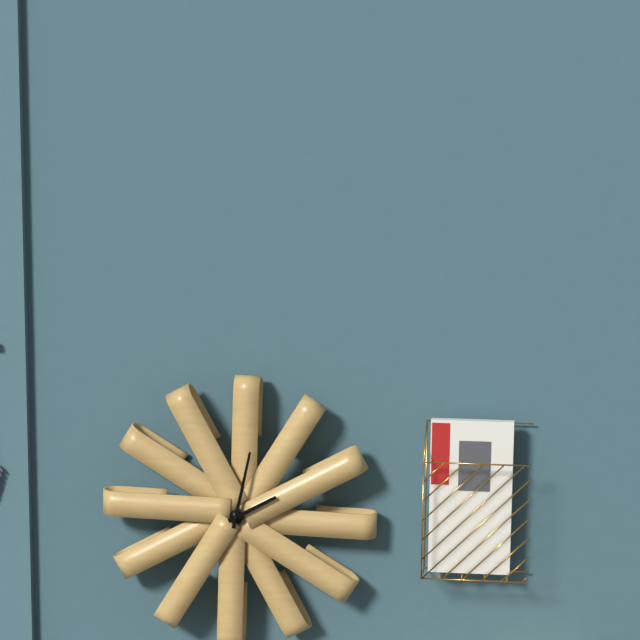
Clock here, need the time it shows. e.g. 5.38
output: 2.02
